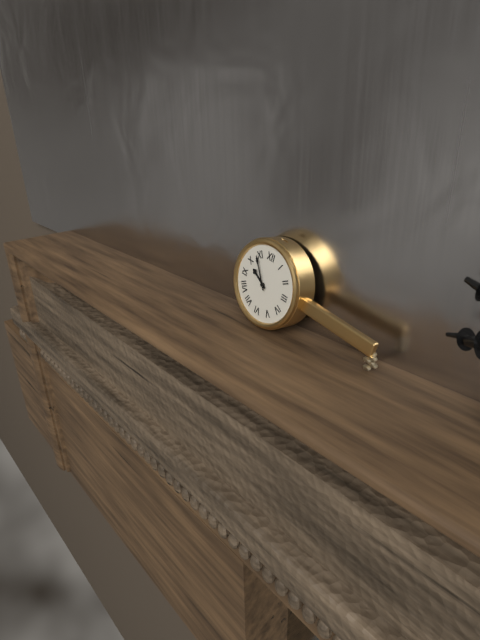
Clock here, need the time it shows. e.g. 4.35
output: 9.54
